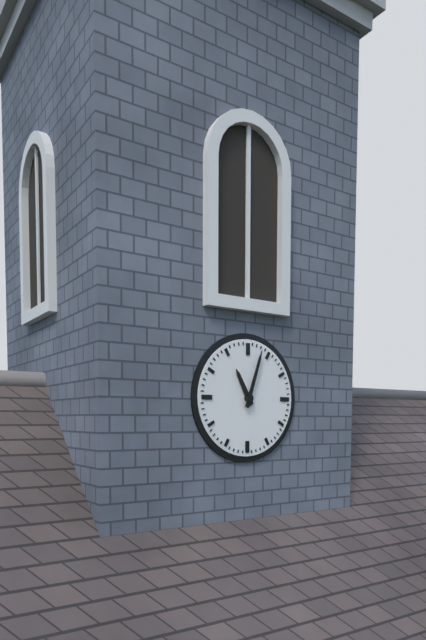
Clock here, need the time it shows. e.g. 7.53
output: 11.03
